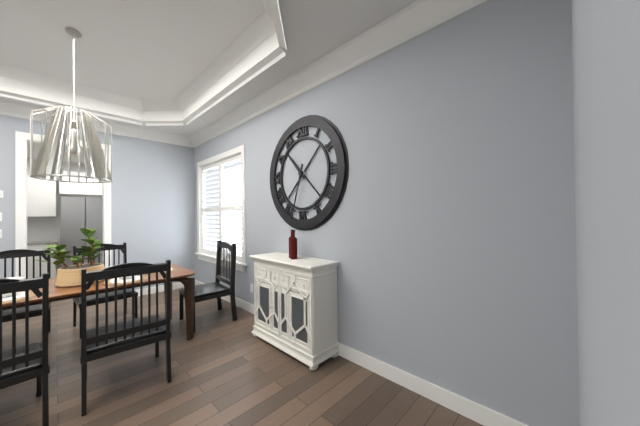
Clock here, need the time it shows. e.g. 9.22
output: 10.33
